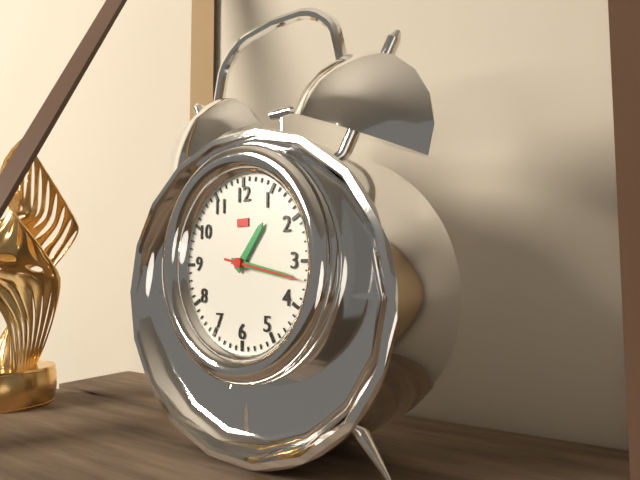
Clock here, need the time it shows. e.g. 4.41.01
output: 1.17.17
